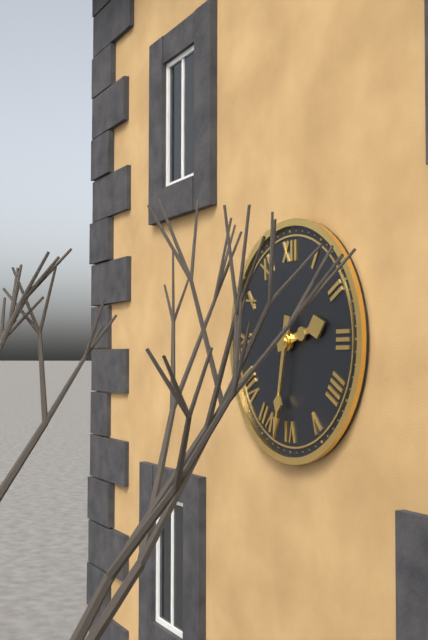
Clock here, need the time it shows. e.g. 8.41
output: 2.32
